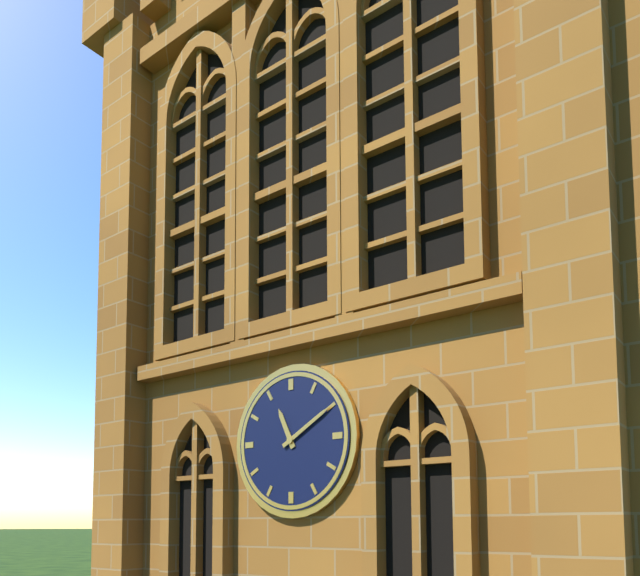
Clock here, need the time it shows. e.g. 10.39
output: 11.10
